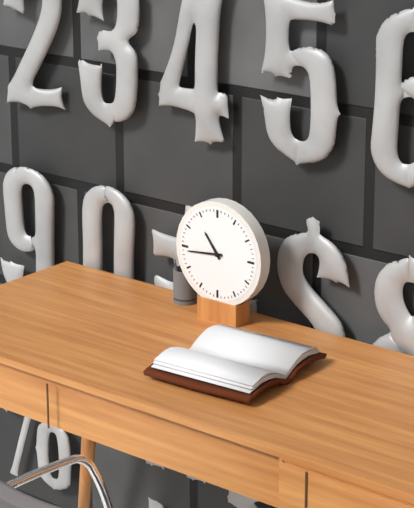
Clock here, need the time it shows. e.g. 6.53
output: 10.44
